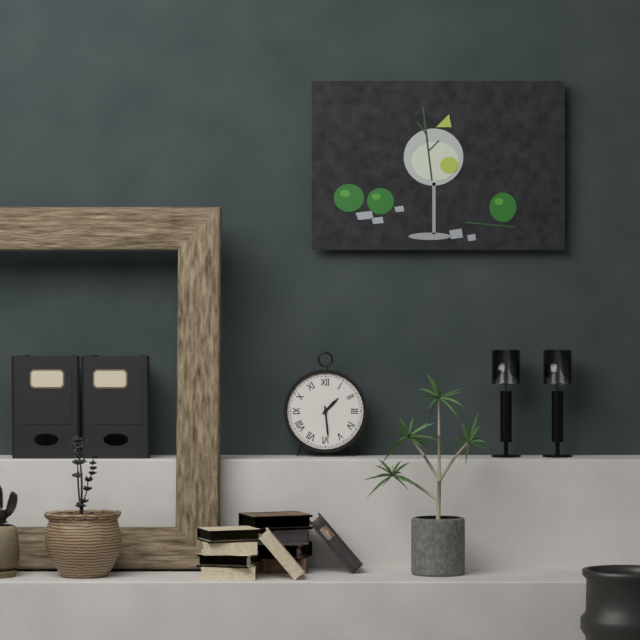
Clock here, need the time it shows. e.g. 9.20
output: 1.29
